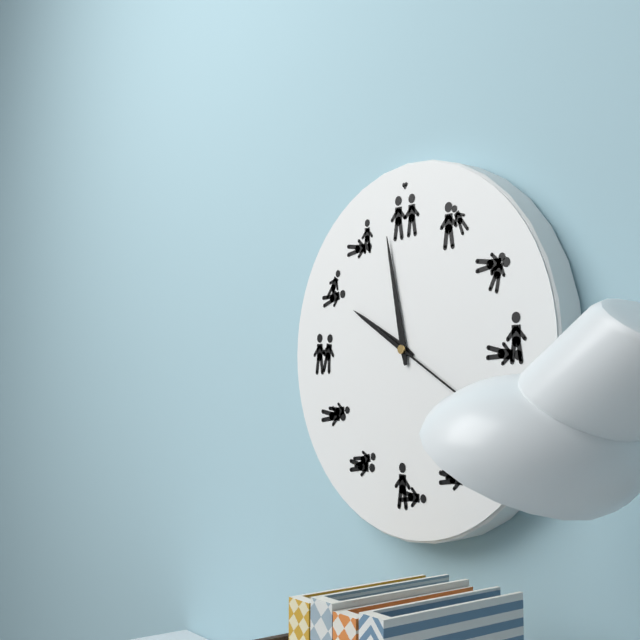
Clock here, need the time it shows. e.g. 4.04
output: 9.58
